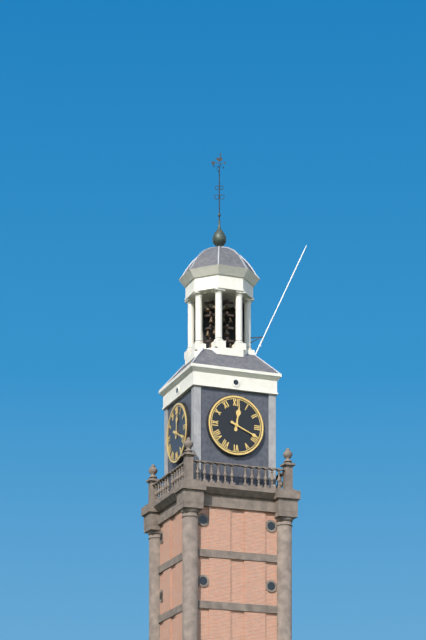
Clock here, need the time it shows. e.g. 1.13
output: 12.19
